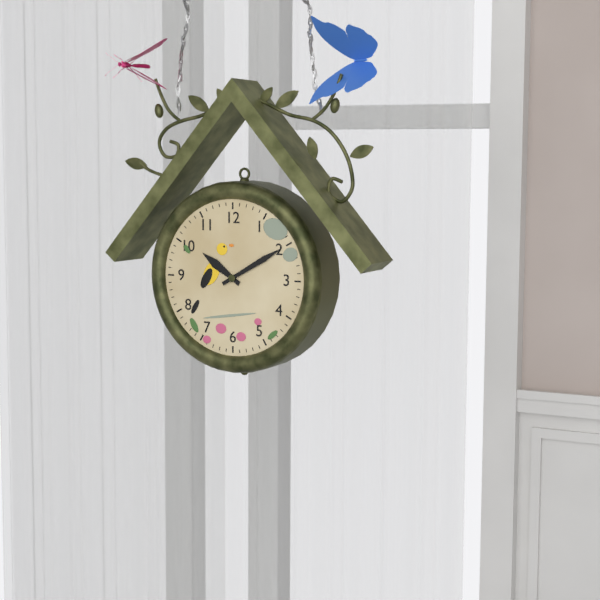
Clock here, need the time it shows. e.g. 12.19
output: 10.10
